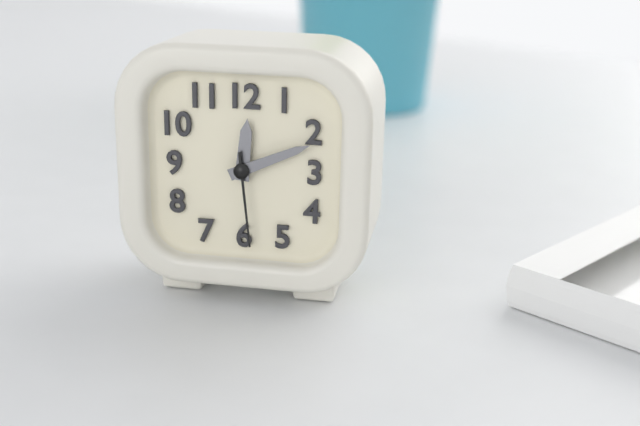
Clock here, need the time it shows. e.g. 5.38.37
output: 12.11.29
